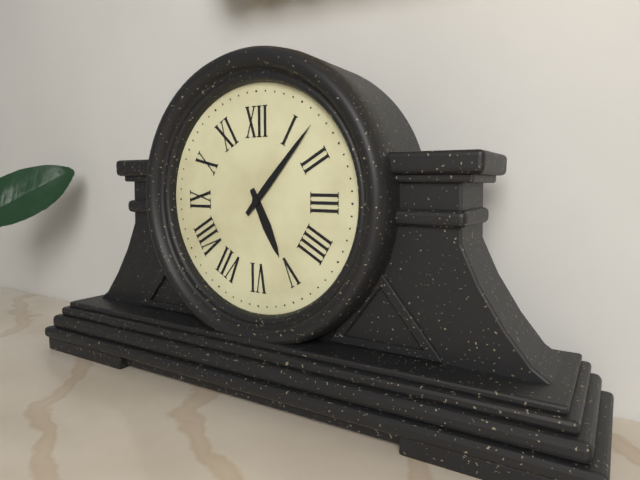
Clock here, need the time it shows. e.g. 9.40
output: 5.07
